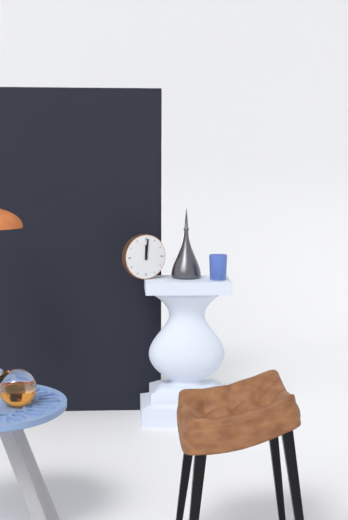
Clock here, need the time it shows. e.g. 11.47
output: 12.01
